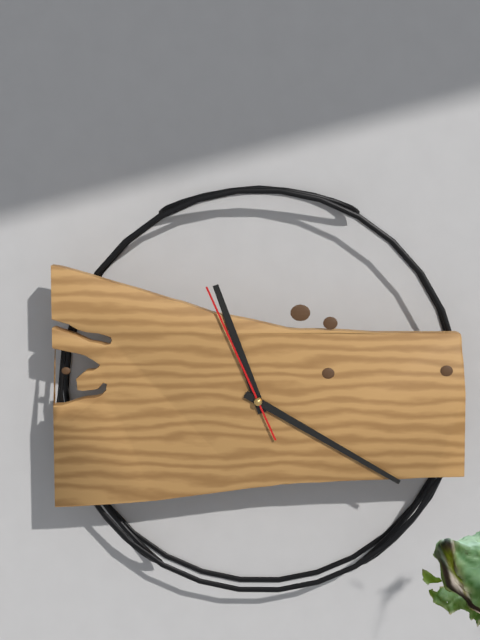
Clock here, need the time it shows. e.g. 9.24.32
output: 11.20.56
